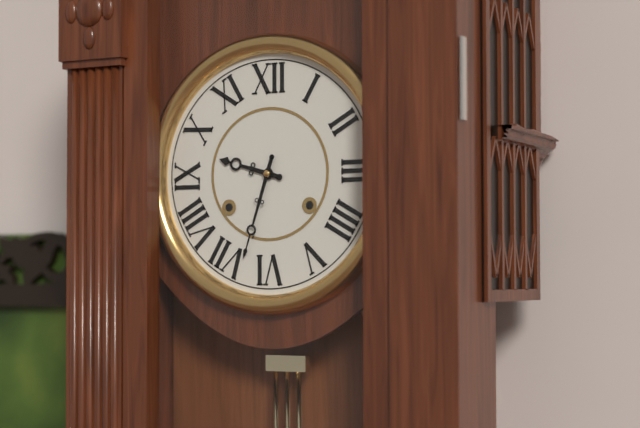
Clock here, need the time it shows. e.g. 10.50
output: 9.33
